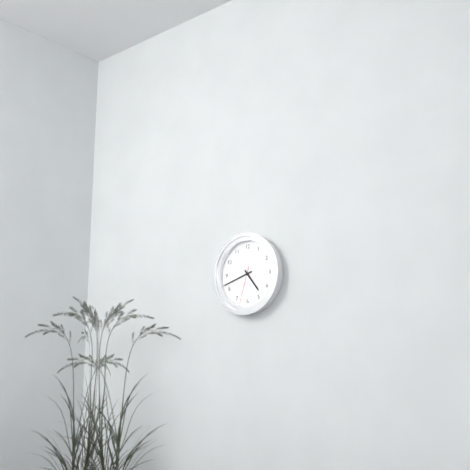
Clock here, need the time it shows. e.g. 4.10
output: 4.42
